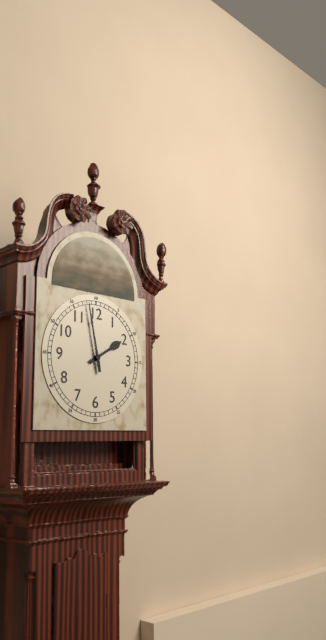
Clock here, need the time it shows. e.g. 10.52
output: 1.58
